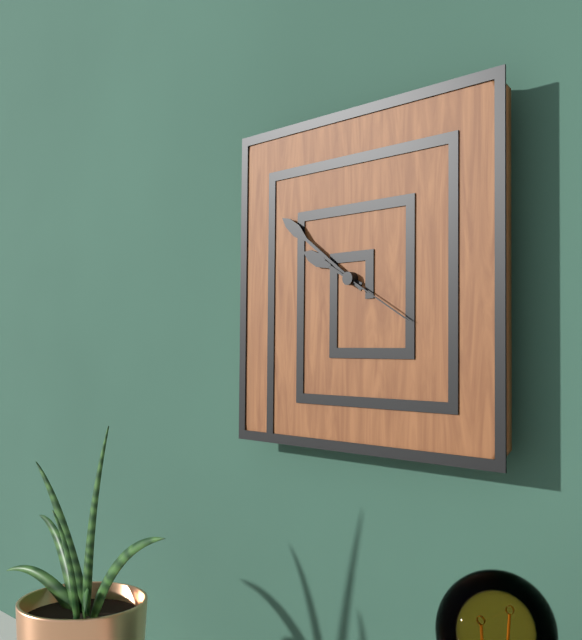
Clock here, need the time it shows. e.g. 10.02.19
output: 9.51.20
